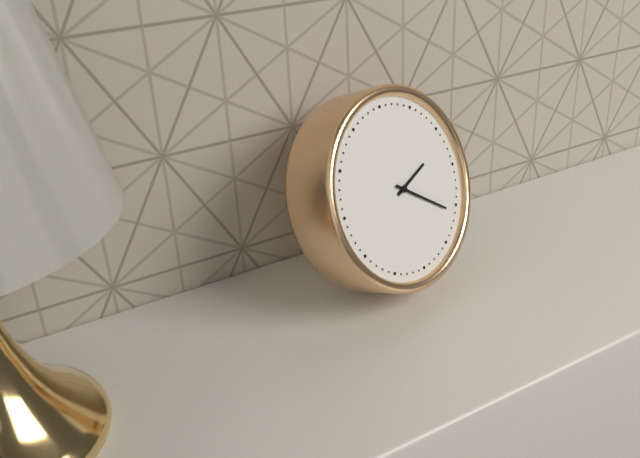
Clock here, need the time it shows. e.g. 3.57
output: 2.21
